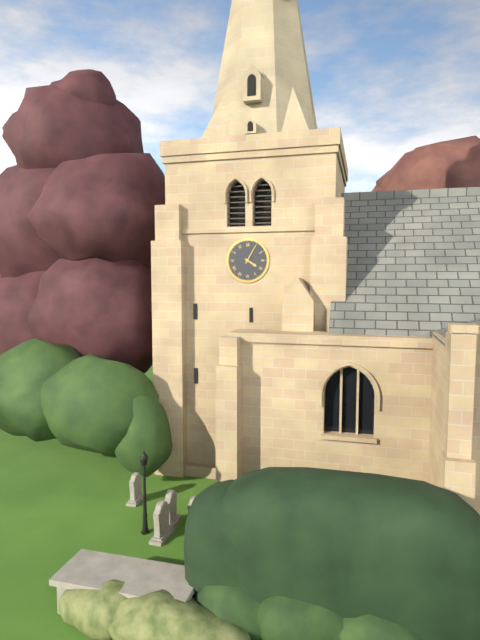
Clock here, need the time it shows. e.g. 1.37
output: 4.05
